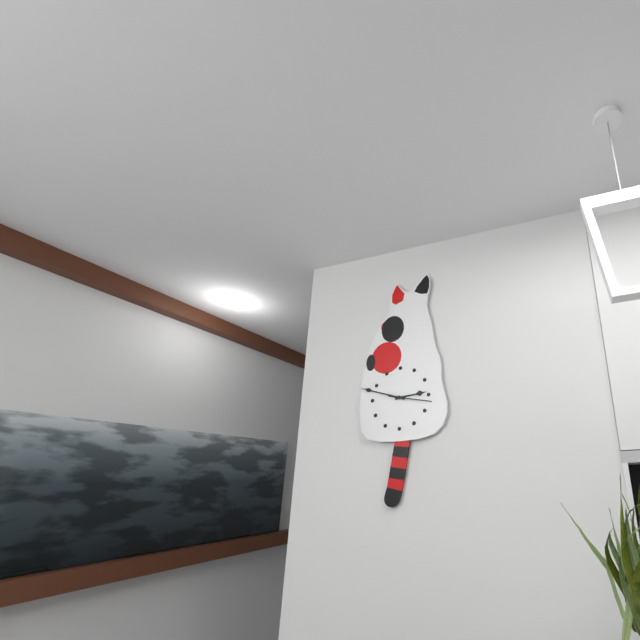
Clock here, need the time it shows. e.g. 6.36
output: 2.48
